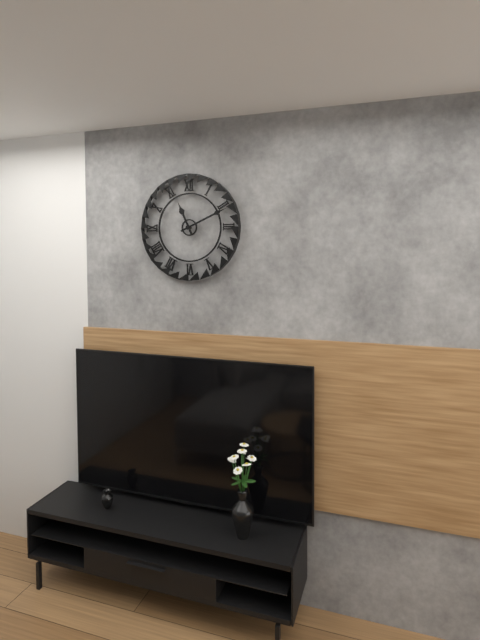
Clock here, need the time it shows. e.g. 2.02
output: 11.11
